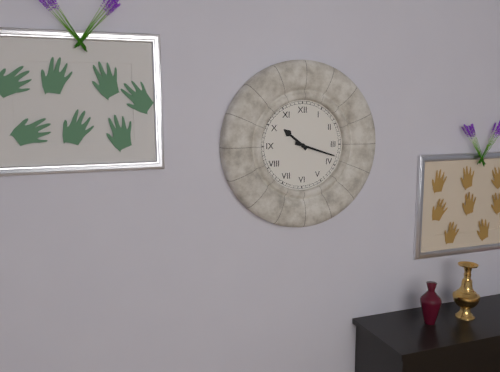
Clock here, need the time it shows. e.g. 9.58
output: 10.18
